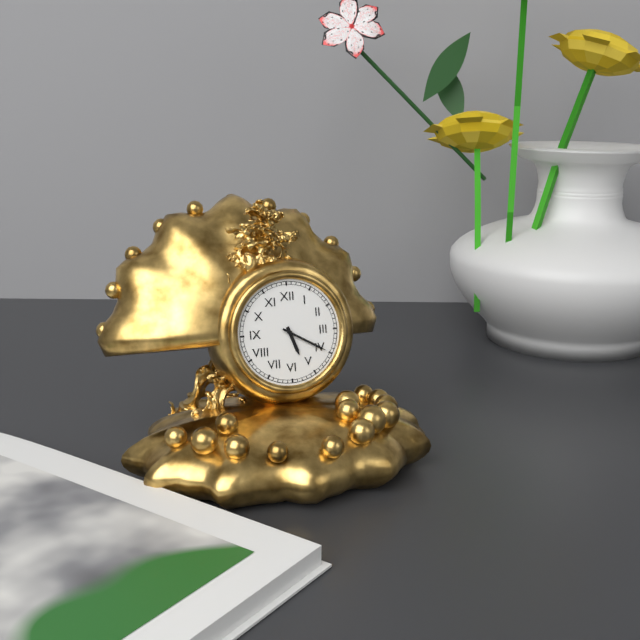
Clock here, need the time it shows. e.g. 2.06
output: 5.20
